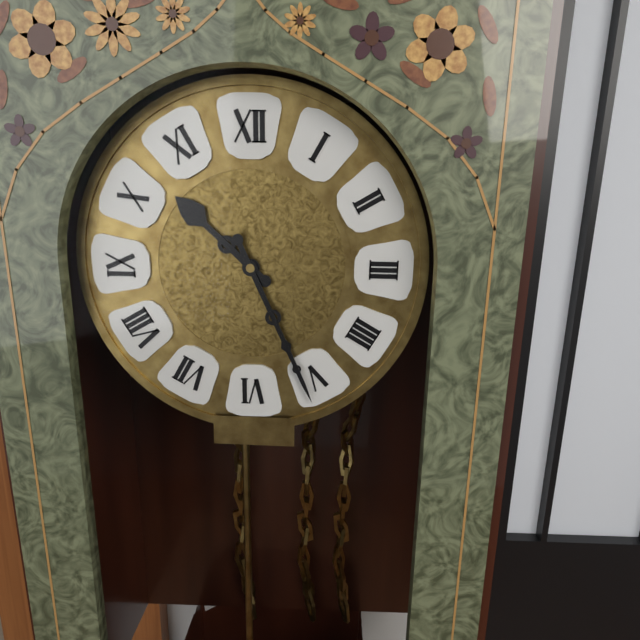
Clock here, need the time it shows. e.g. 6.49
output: 10.26
